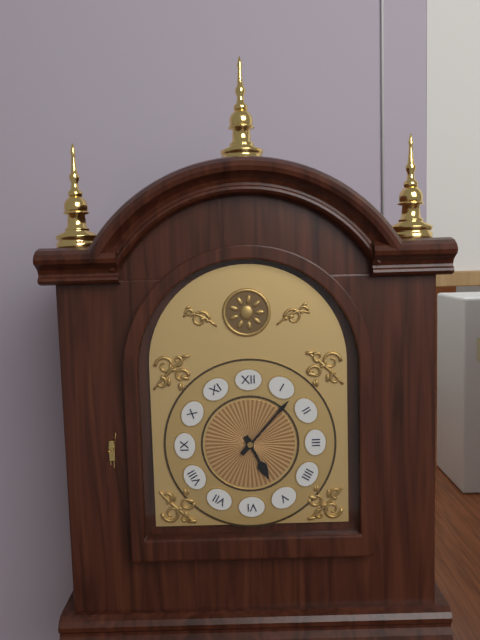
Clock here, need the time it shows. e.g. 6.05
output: 5.07
